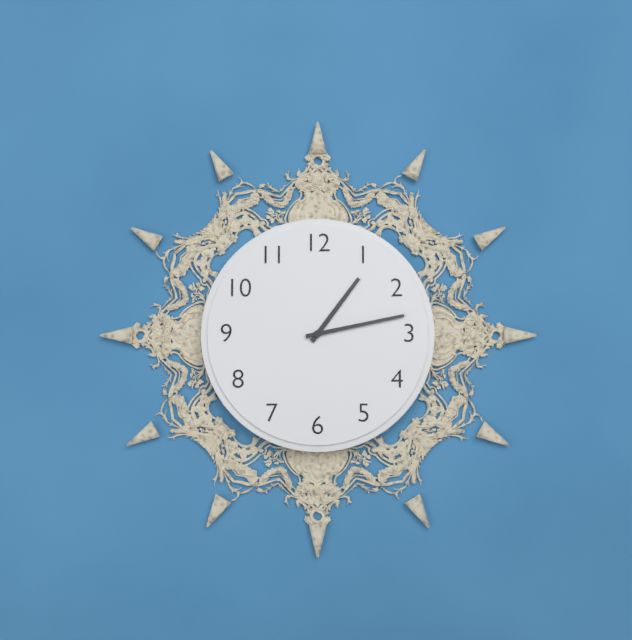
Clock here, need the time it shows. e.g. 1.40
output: 1.13
